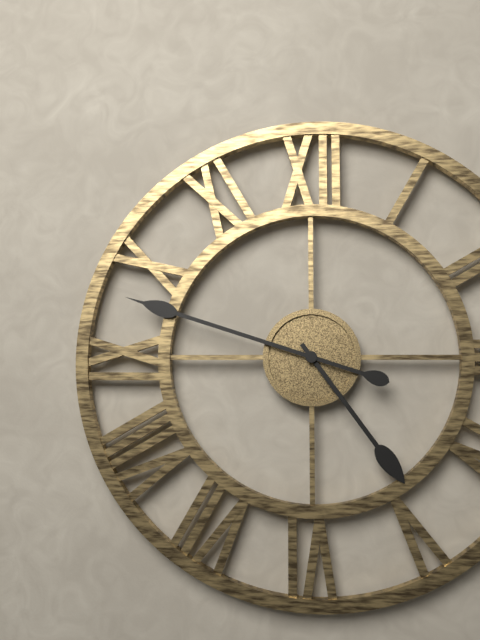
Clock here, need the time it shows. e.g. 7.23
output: 4.48
